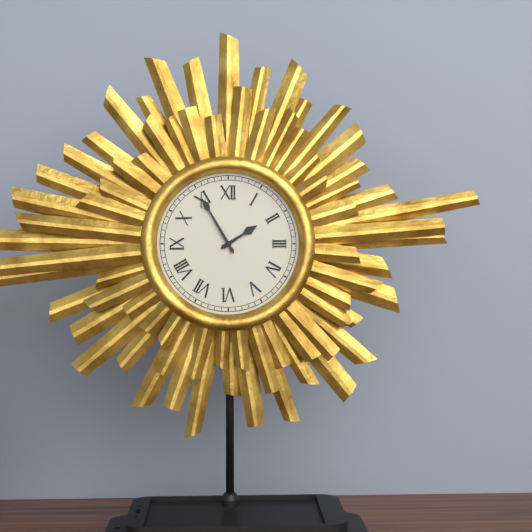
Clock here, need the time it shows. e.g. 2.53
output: 1.55
